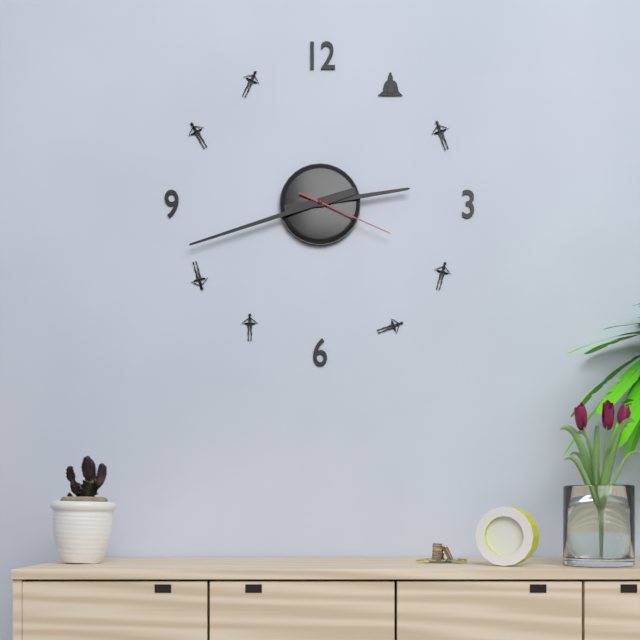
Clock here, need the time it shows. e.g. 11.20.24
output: 2.42.19
